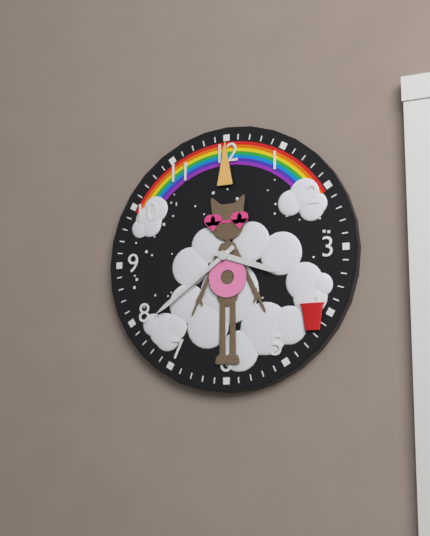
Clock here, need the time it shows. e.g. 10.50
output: 3.39
